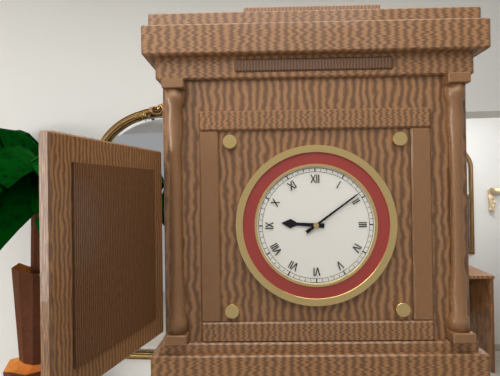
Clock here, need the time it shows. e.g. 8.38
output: 9.09
